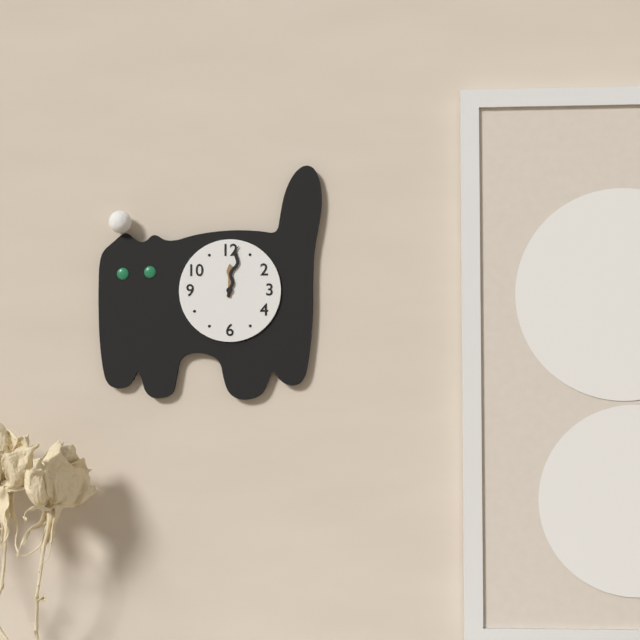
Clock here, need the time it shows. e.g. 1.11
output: 12.02
